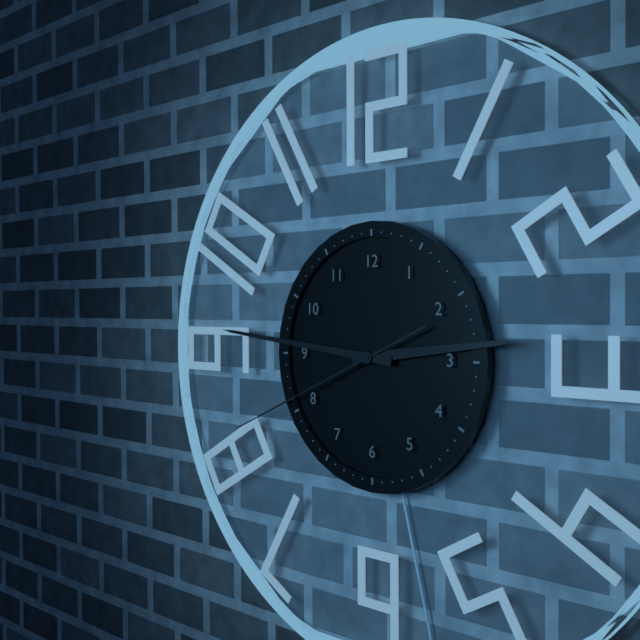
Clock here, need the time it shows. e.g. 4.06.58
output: 2.46.41
